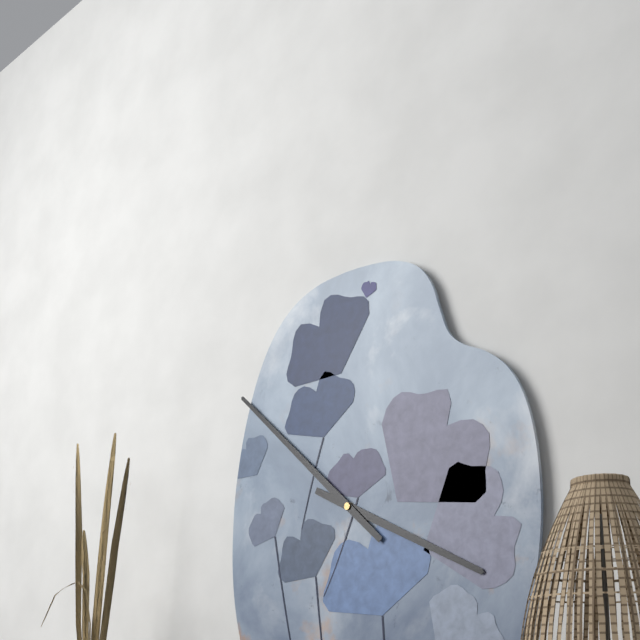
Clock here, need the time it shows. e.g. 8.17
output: 3.52
